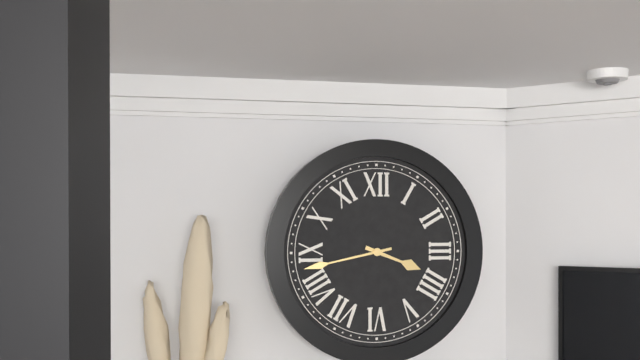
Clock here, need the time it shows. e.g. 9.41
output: 3.43
